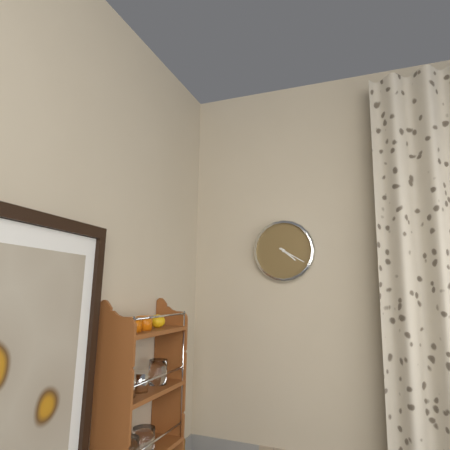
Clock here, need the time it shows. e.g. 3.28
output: 4.20
